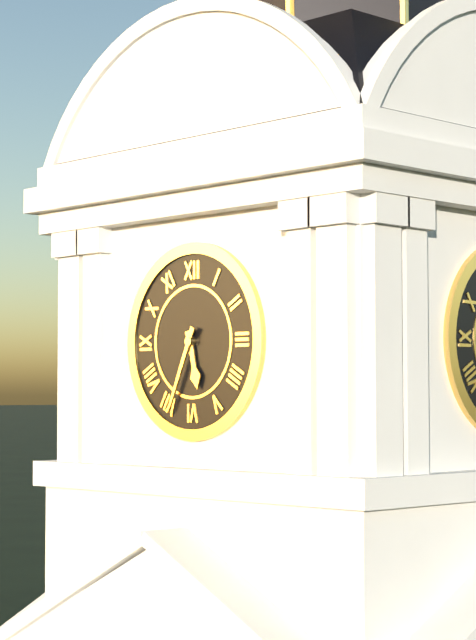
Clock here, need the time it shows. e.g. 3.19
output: 5.34
